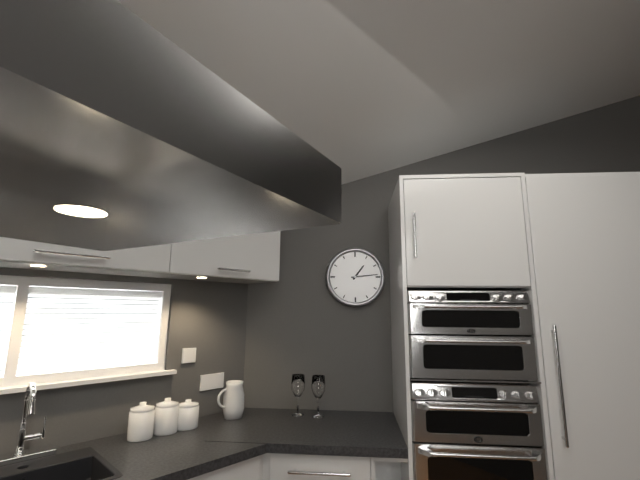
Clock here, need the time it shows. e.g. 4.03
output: 1.14
